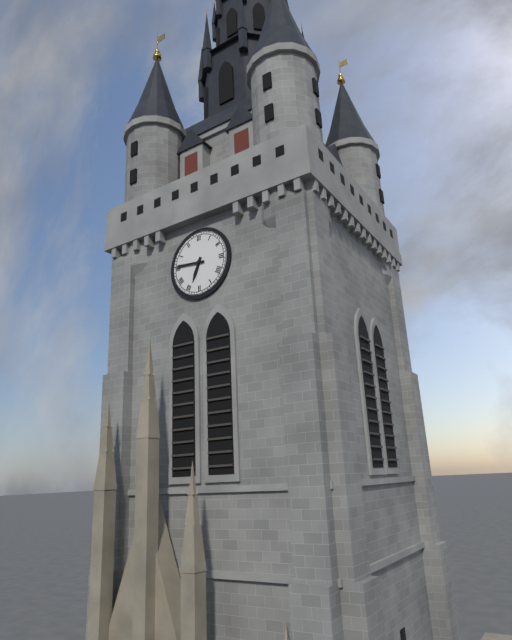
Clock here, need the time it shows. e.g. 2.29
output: 6.46
